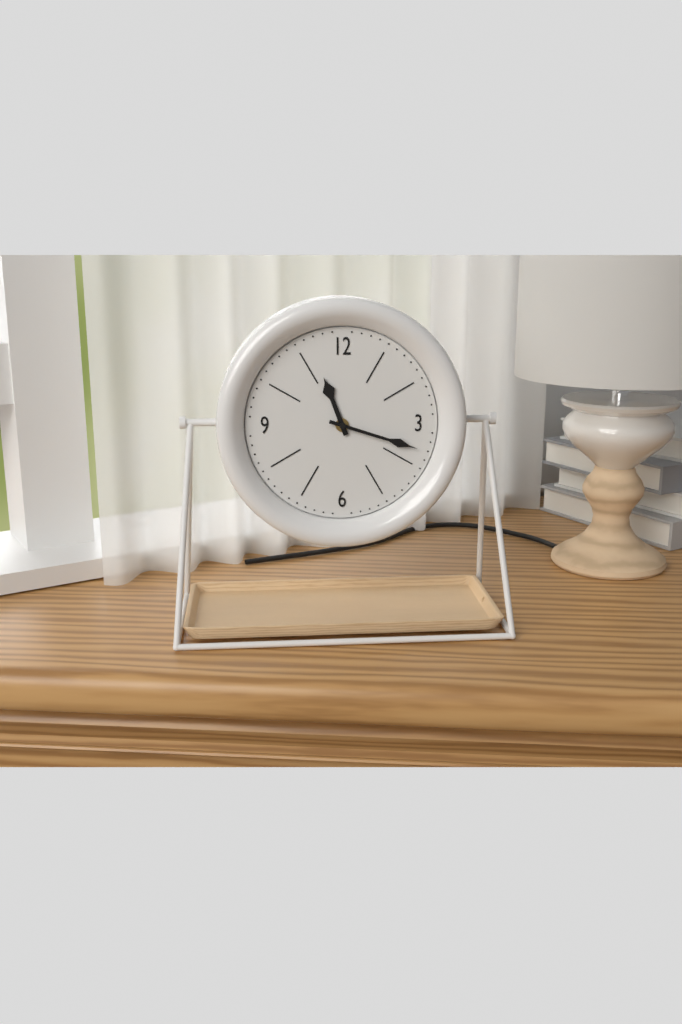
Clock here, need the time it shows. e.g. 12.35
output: 11.18
